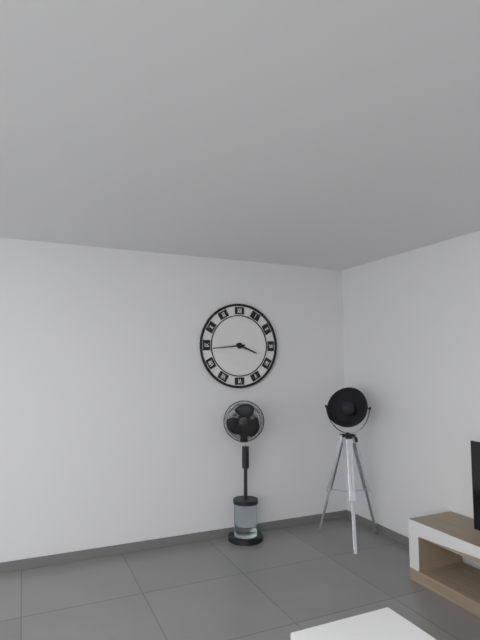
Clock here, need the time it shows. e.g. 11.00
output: 3.44
